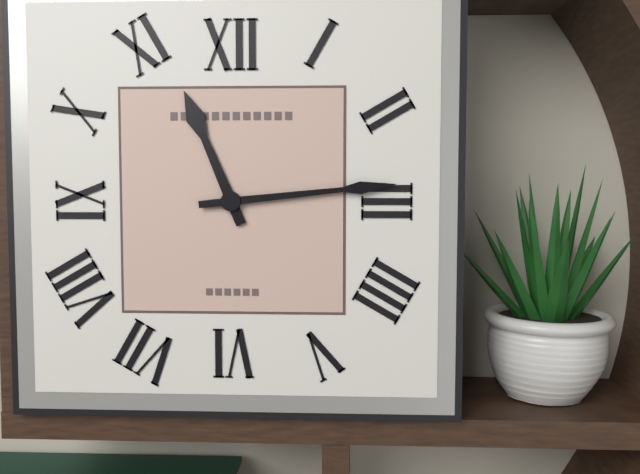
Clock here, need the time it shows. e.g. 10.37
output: 11.14
